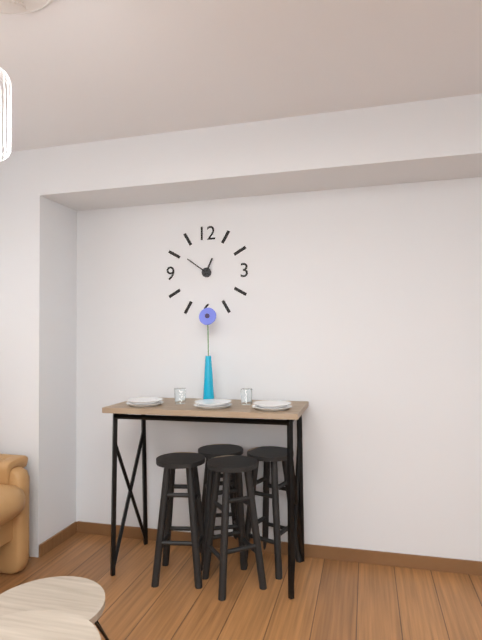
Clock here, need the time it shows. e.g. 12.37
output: 12.51
